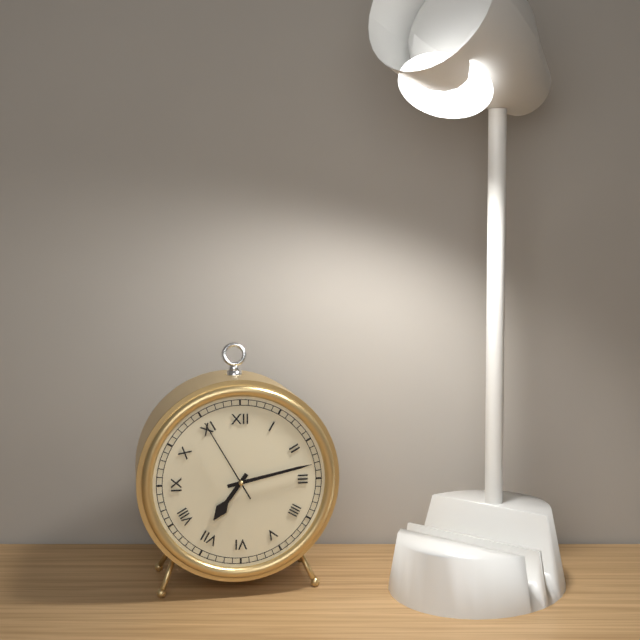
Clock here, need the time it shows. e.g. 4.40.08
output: 7.13.55
